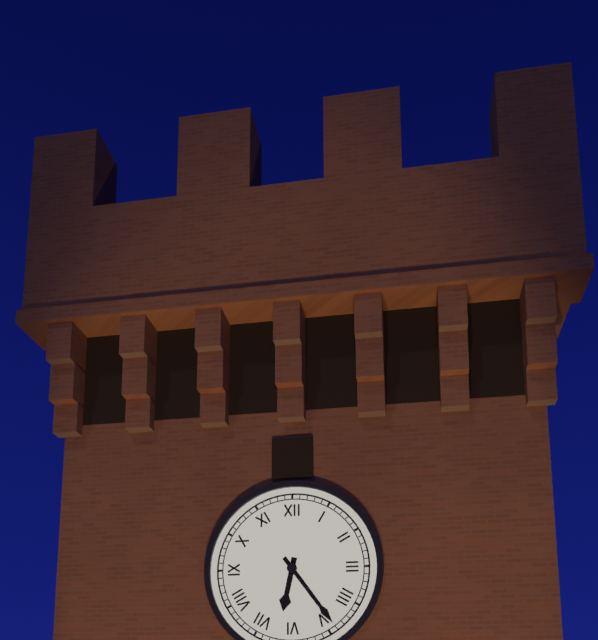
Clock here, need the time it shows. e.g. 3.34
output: 6.24
